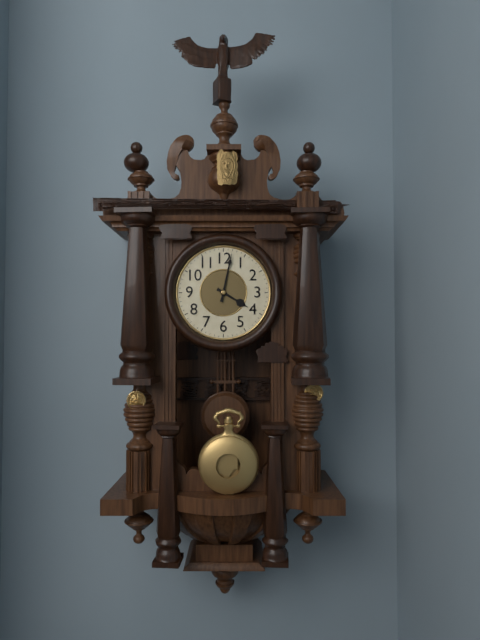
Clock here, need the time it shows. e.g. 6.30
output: 4.02
